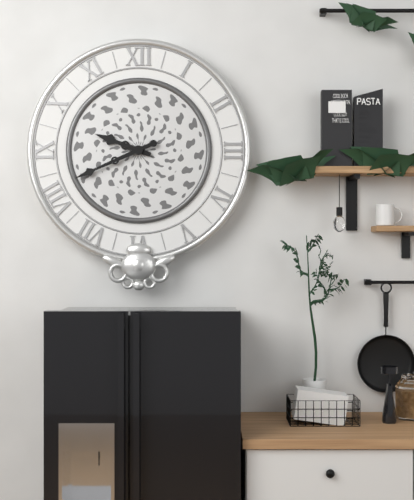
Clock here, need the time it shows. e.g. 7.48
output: 9.41
